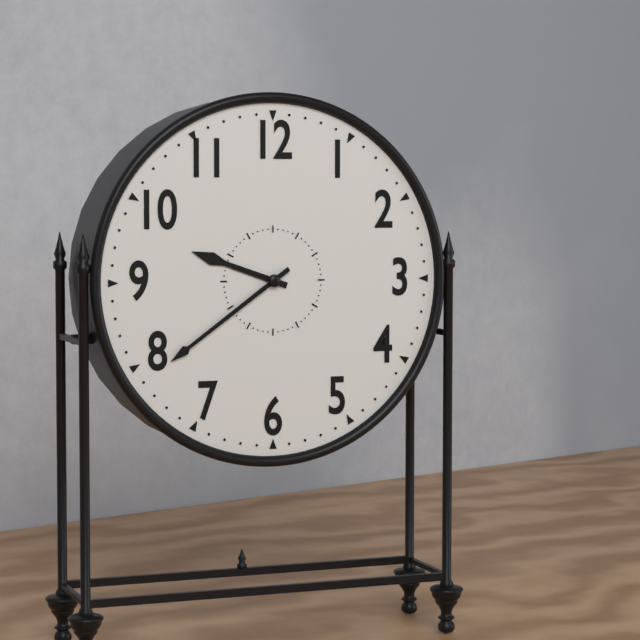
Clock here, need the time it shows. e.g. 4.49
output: 9.39
